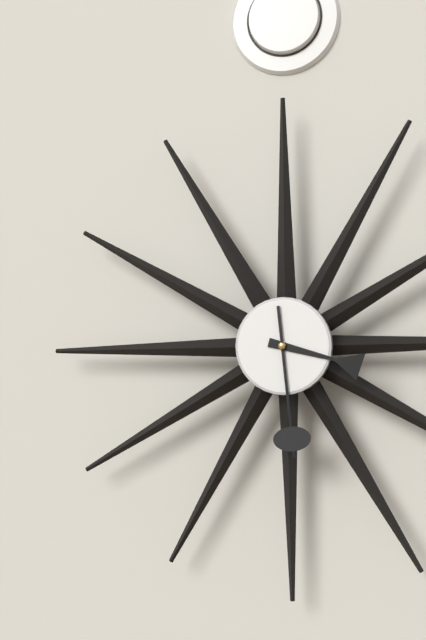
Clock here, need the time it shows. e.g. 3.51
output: 3.29
